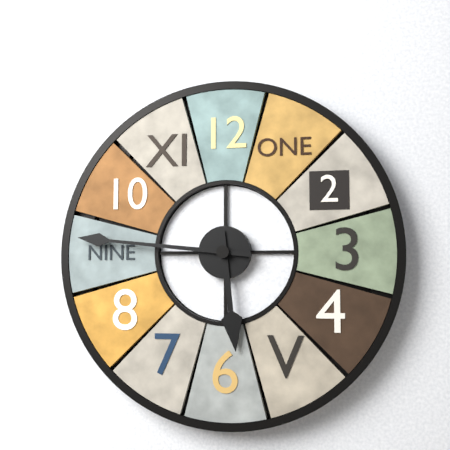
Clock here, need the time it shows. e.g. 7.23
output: 5.46
